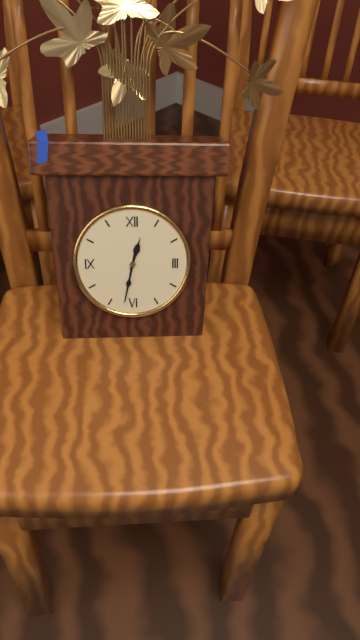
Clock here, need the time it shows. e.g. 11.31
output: 12.32
